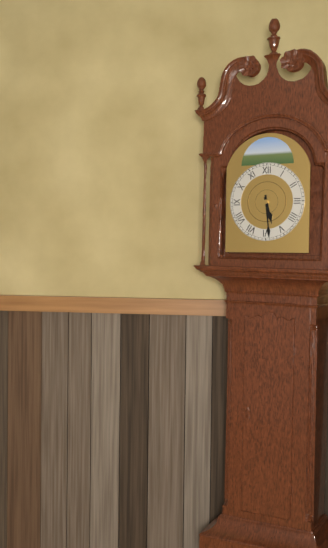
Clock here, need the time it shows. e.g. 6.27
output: 5.29
